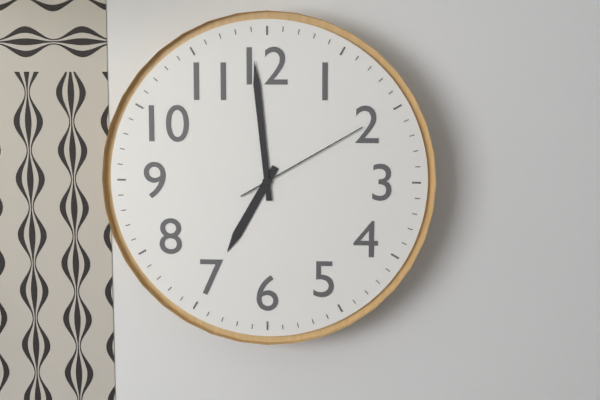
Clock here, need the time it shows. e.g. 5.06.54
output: 6.59.10
